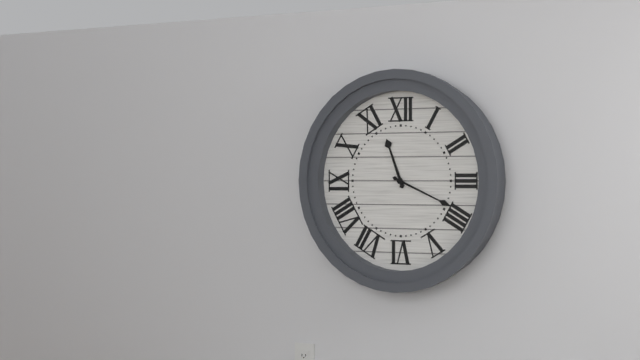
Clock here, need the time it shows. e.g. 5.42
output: 11.19
